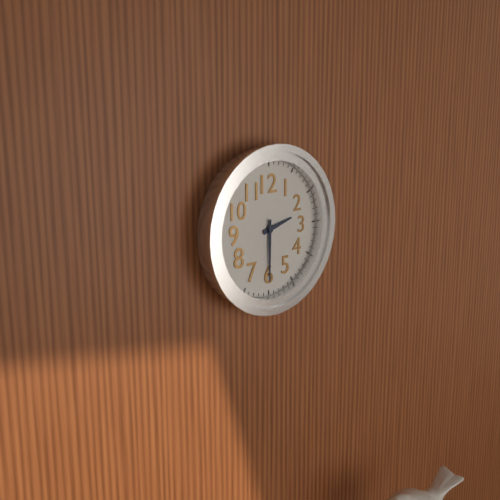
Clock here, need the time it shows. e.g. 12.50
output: 2.30
